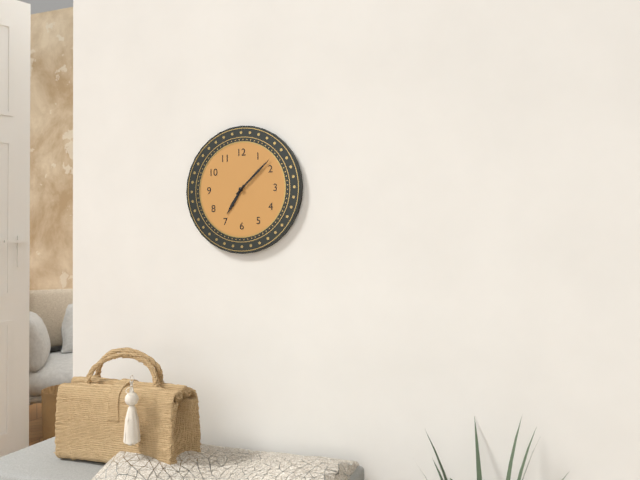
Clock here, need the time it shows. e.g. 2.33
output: 7.08
